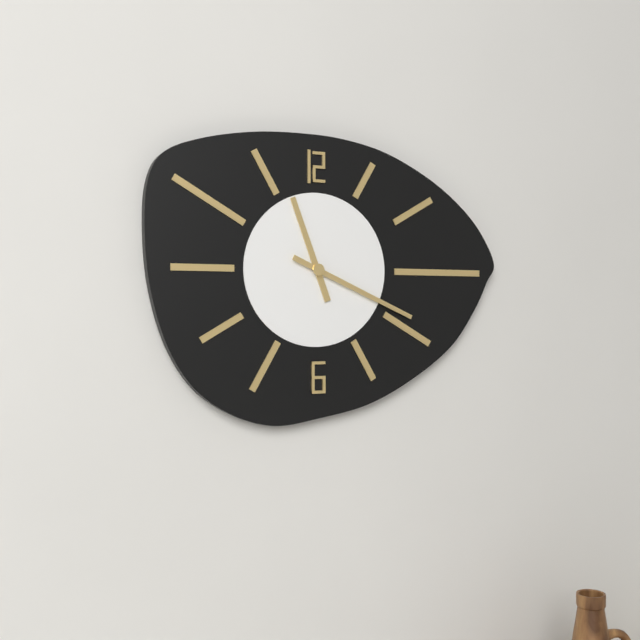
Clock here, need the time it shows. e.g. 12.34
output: 11.19
